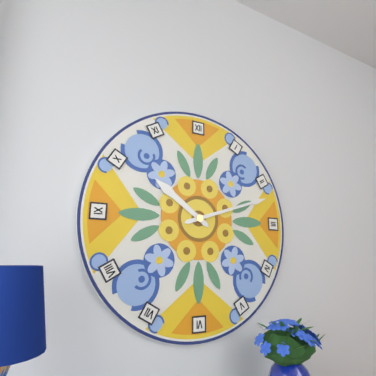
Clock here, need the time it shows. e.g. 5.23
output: 10.12
